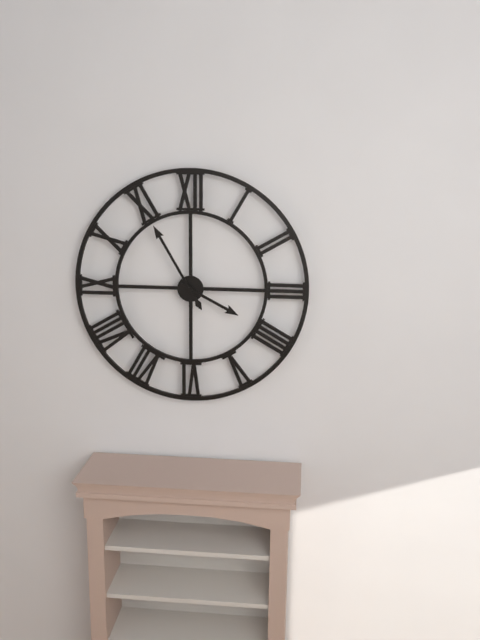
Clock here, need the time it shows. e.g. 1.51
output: 3.55
